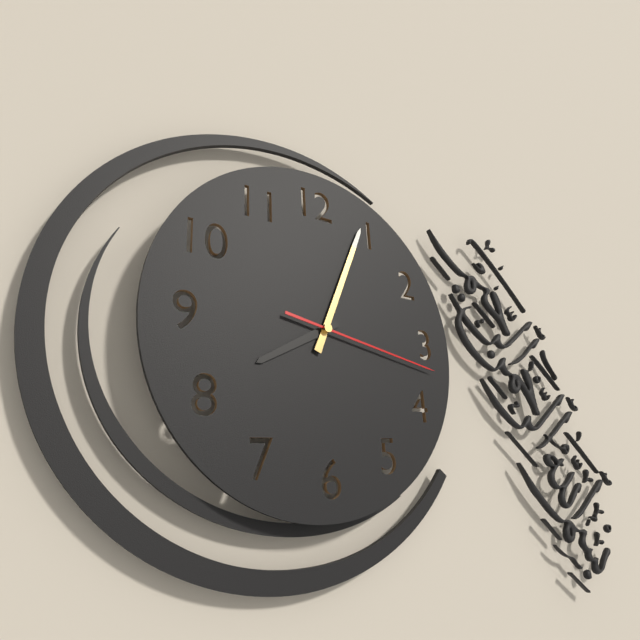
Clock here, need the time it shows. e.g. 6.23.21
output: 8.04.17
